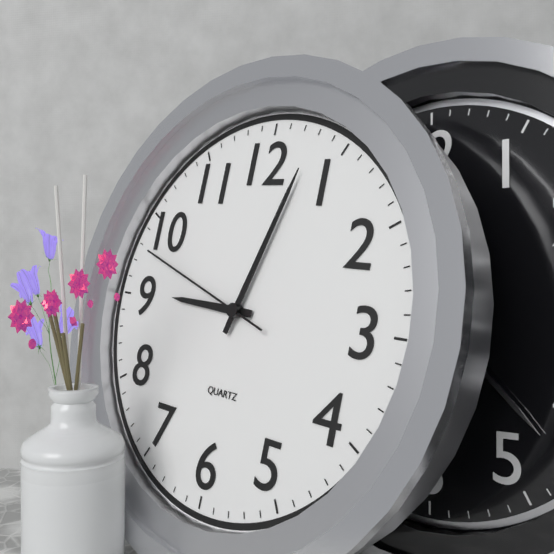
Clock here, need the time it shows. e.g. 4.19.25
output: 9.03.48
